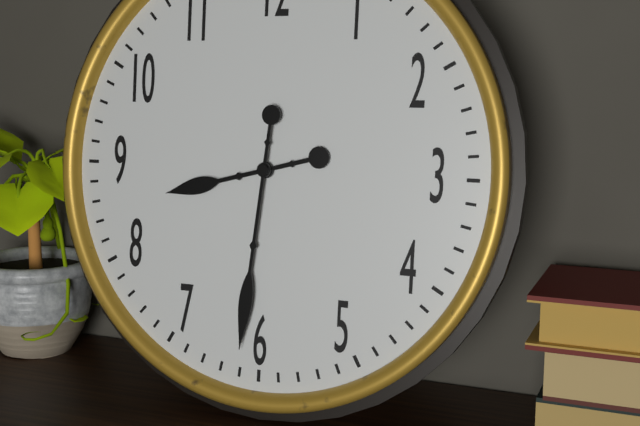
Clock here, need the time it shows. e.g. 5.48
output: 8.31
